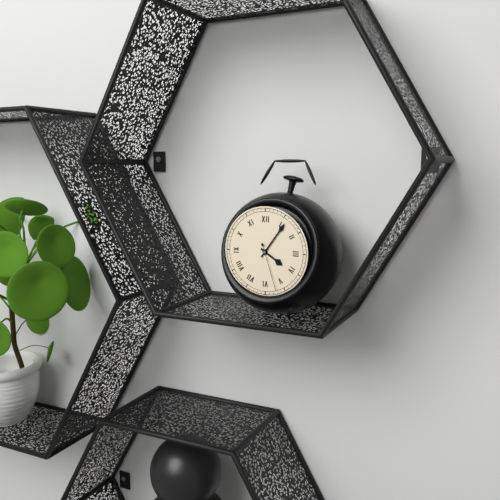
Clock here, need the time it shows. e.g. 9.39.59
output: 4.06.27
